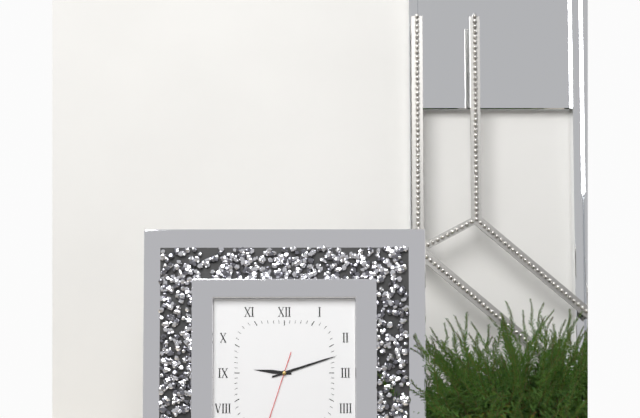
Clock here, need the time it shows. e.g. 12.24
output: 9.12
